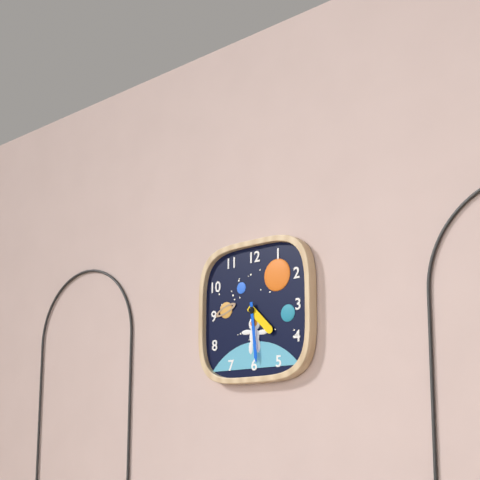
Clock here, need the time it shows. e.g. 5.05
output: 4.29
